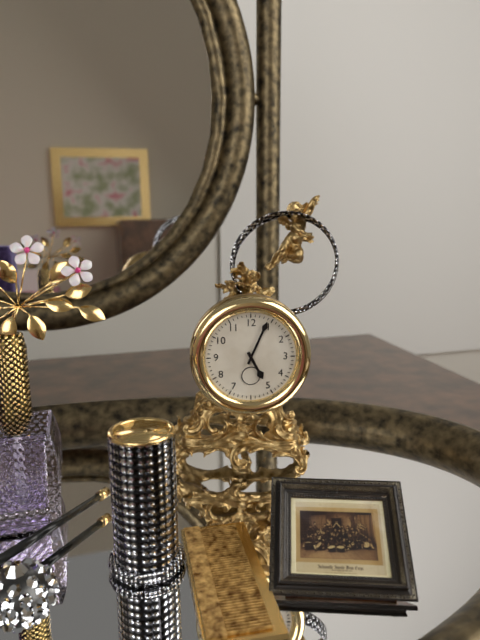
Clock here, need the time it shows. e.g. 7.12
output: 5.04
